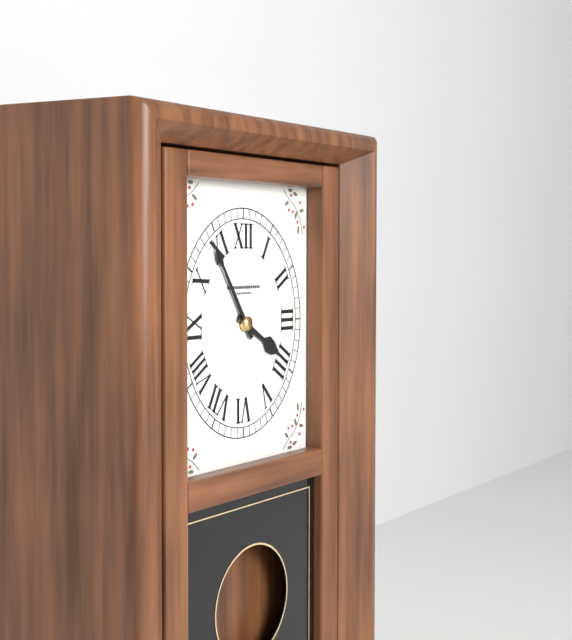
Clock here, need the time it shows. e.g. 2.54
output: 3.54
